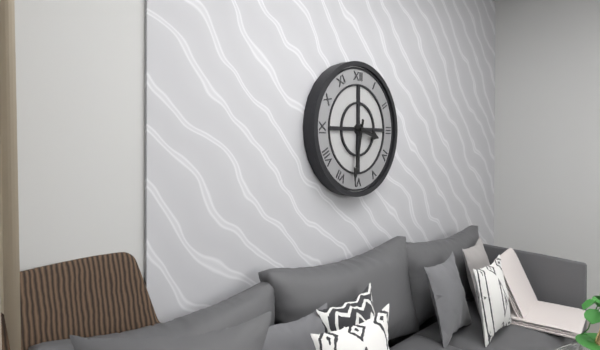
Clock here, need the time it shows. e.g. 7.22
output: 3.32
